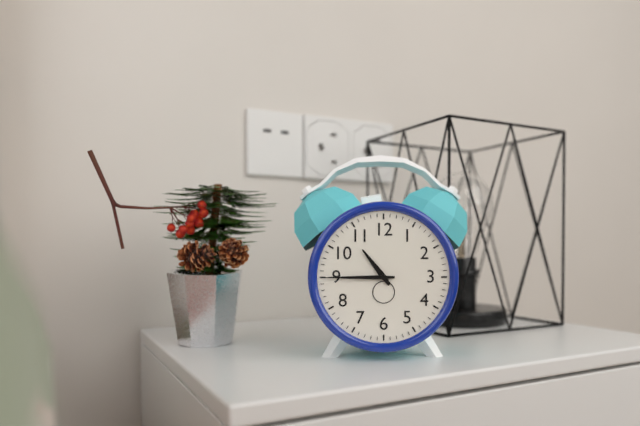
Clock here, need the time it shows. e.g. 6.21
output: 10.45
